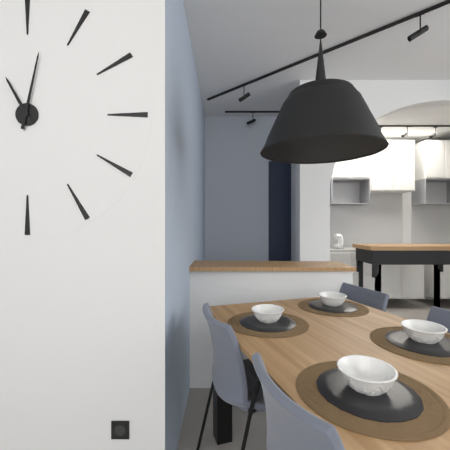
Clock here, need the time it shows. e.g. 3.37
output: 11.02
